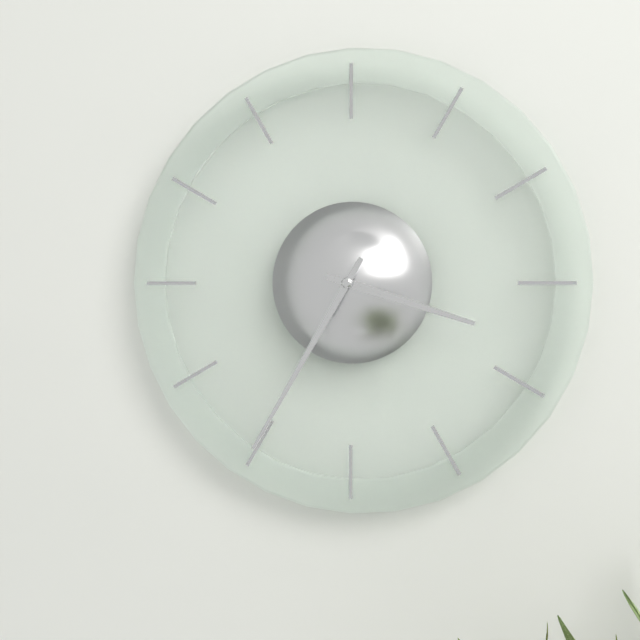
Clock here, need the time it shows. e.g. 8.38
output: 3.35
